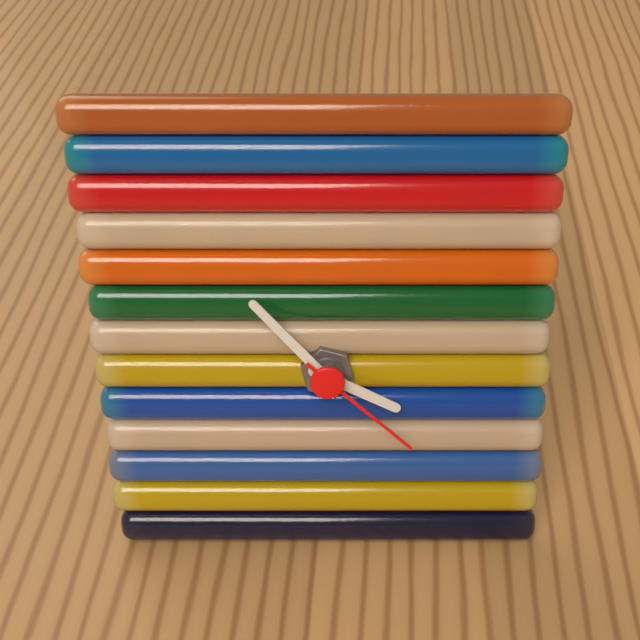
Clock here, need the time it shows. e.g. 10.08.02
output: 3.53.22
